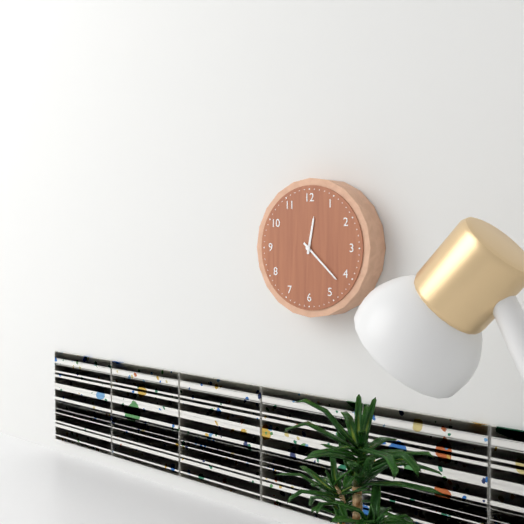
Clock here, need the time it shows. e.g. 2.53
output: 12.22
